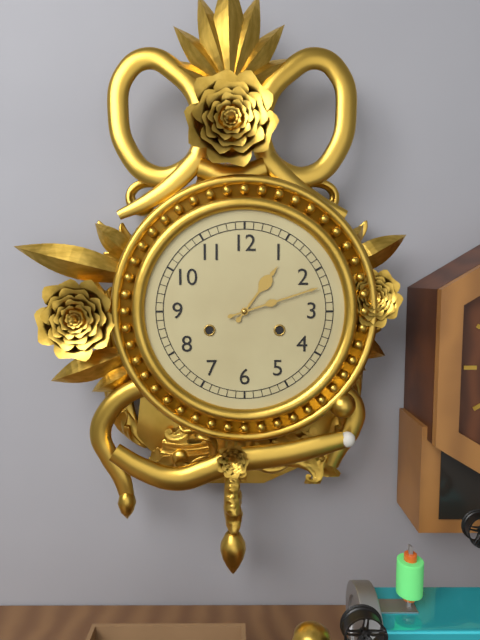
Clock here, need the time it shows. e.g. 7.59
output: 1.12
